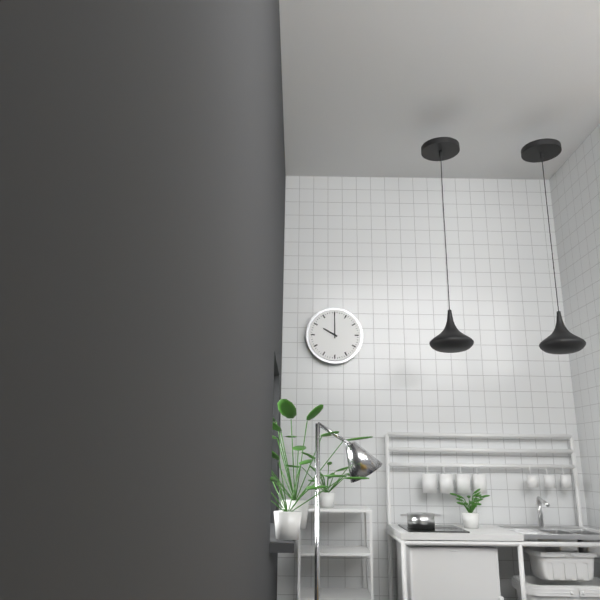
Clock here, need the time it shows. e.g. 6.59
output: 10.00
